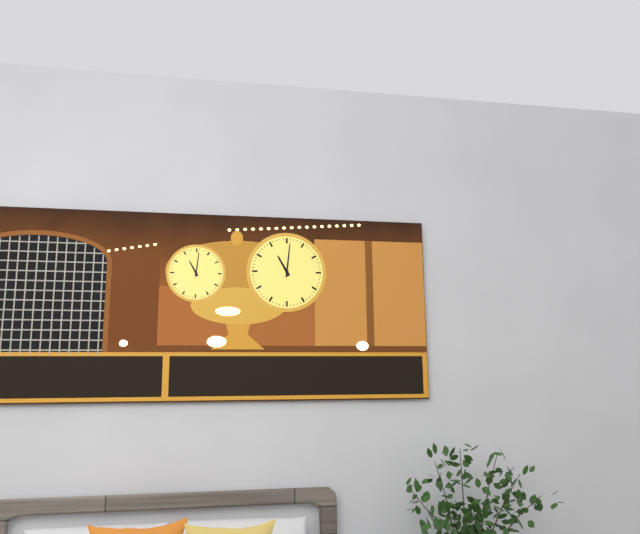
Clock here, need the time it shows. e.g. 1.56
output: 11.01
